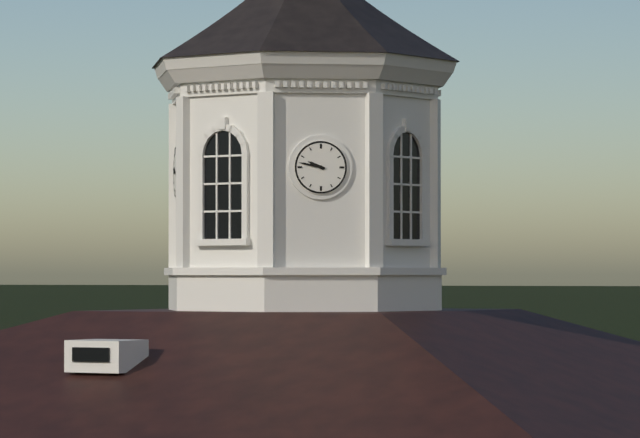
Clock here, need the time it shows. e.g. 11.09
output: 9.47
